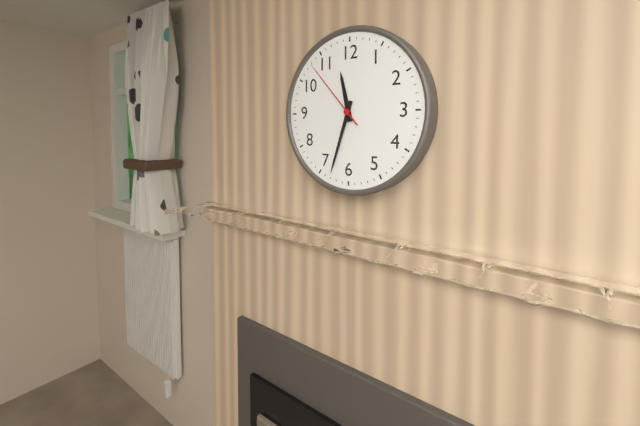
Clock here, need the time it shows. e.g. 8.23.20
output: 11.33.53
